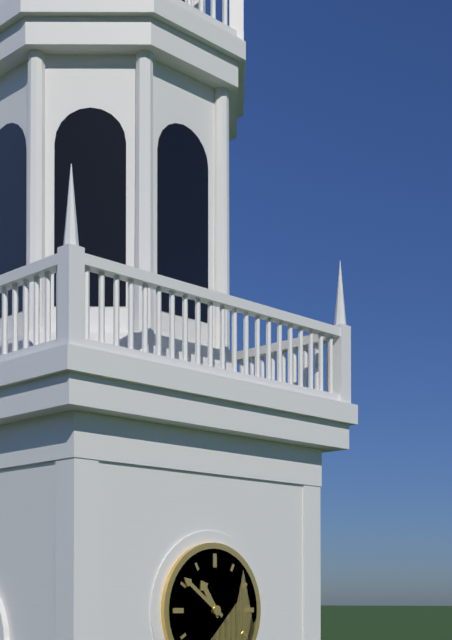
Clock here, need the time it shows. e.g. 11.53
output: 10.51
